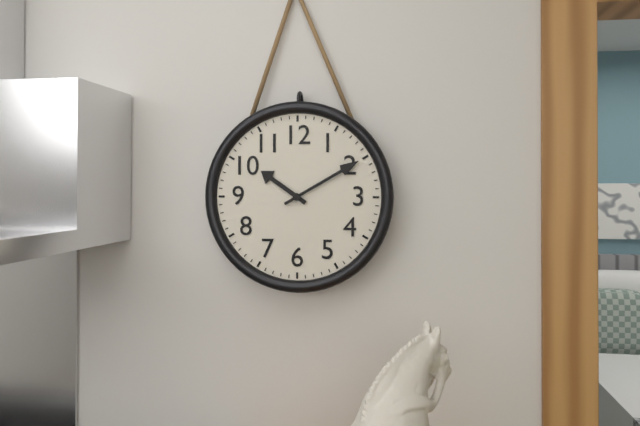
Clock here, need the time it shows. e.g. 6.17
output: 10.10
